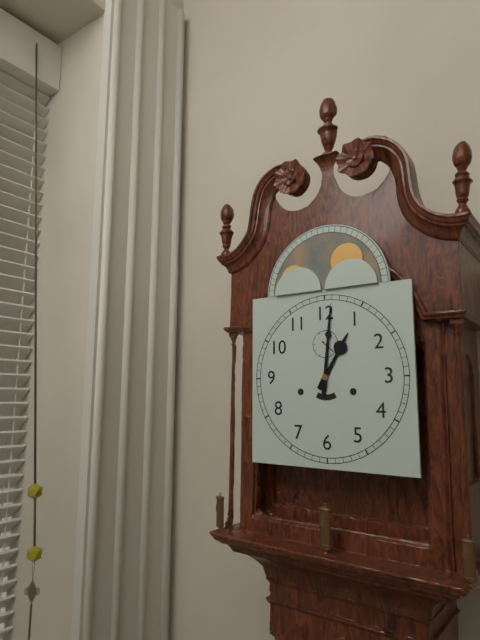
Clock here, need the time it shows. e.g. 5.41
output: 1.01
